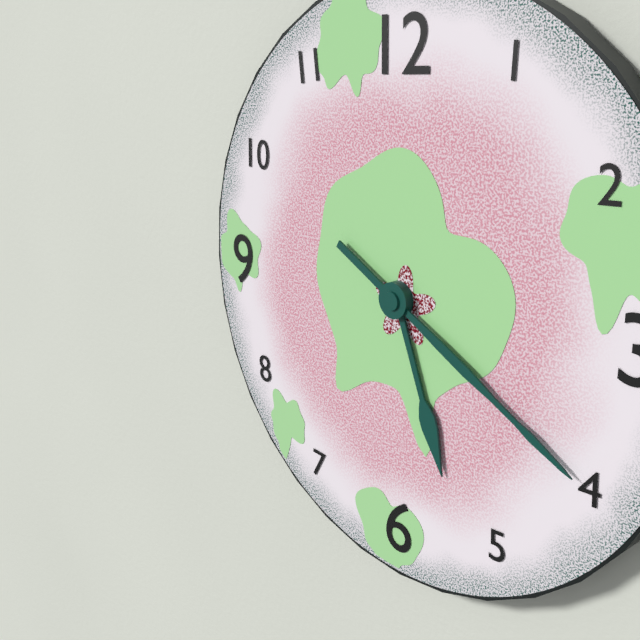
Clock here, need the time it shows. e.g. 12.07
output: 5.20
